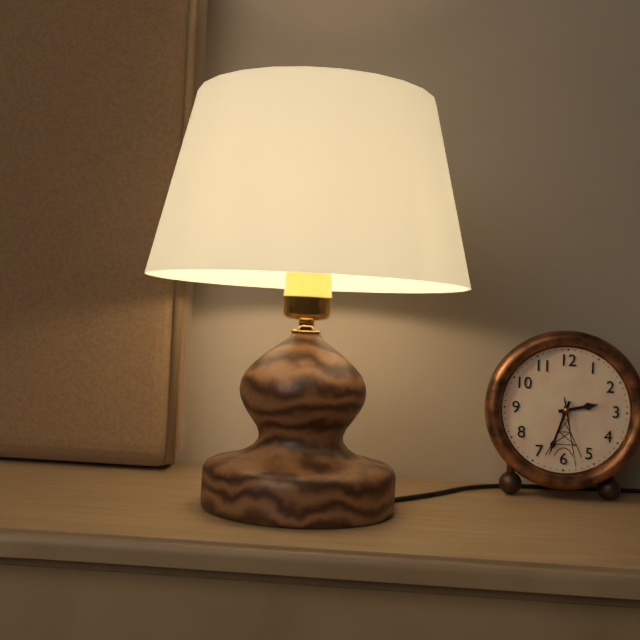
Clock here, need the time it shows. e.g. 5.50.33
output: 2.33.28
